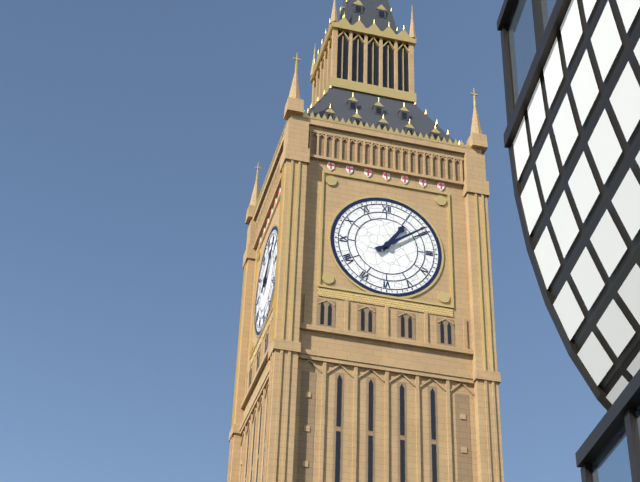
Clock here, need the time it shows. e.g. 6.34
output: 1.09
